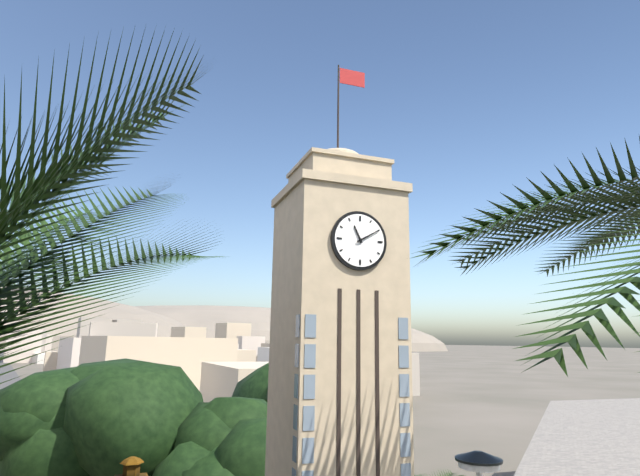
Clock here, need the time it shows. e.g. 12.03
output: 11.10
